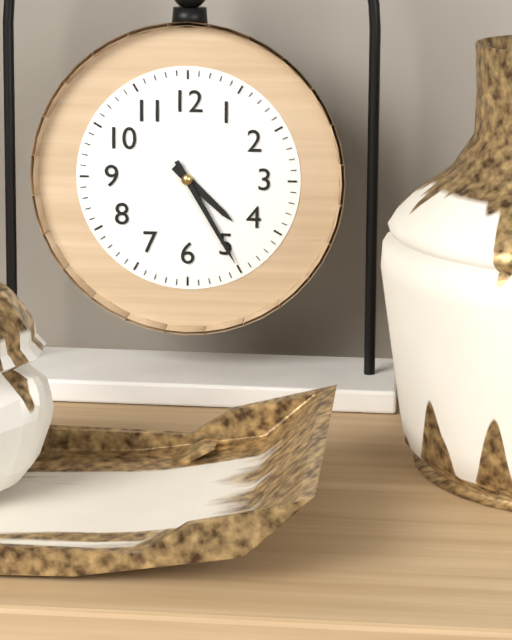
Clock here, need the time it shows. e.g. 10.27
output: 4.25
